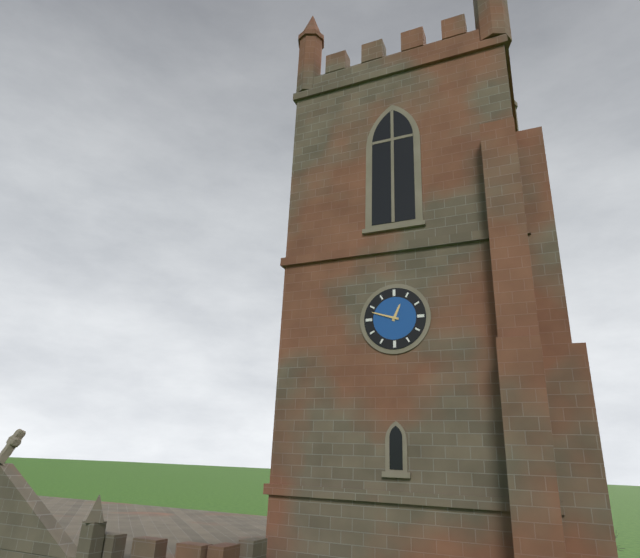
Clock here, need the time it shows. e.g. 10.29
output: 12.48
